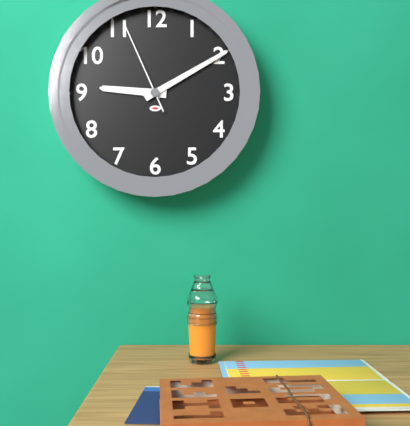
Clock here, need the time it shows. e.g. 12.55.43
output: 9.10.56
